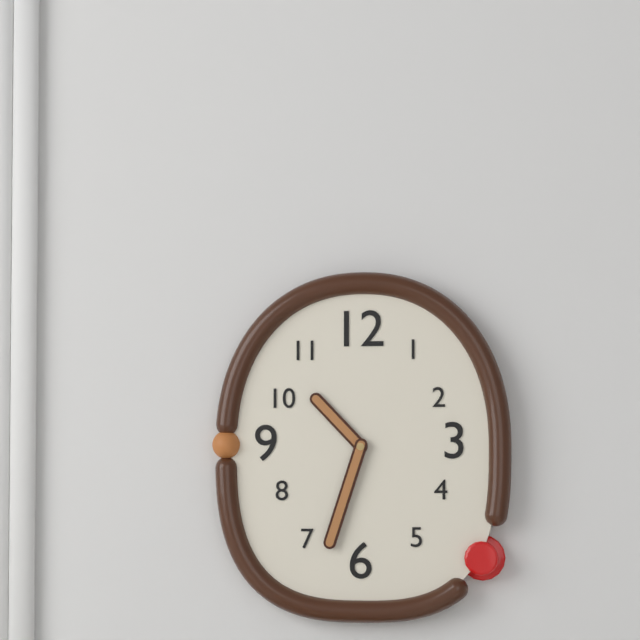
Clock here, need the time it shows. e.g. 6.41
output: 10.33
